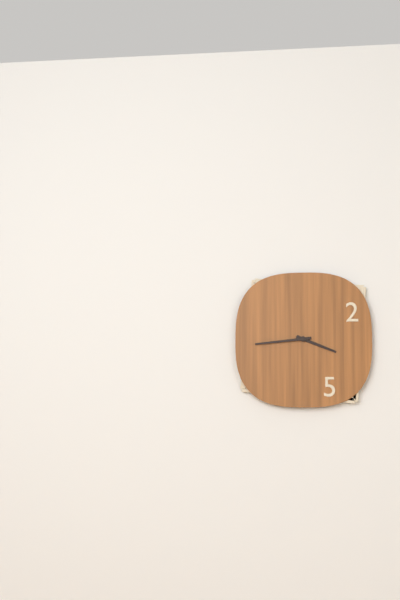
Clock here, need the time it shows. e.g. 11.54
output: 3.44
